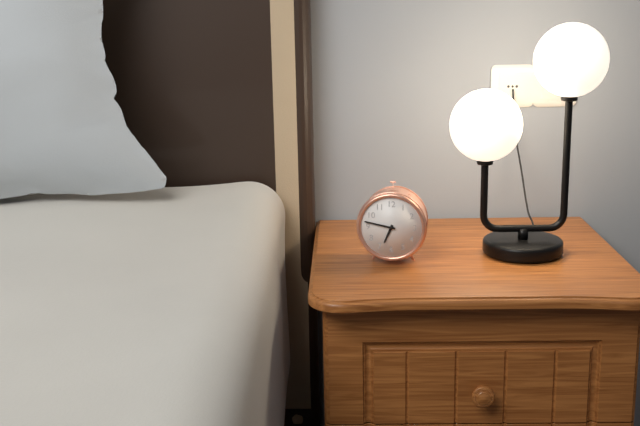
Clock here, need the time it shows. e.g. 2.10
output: 6.47
